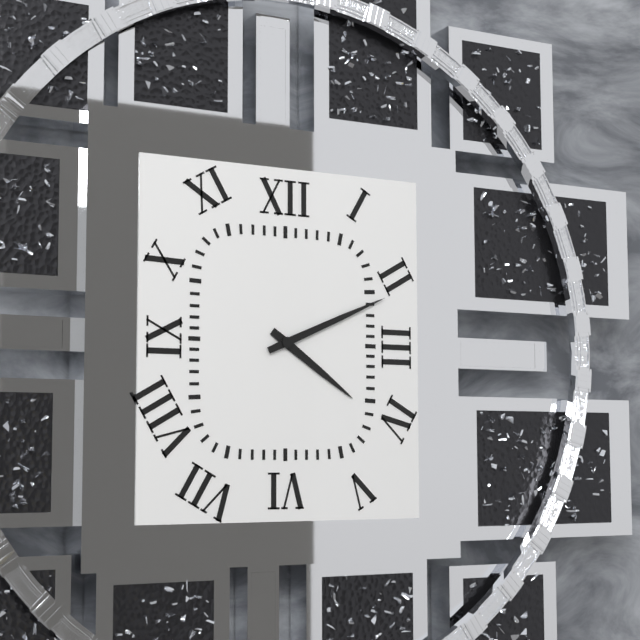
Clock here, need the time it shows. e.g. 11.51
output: 4.11
